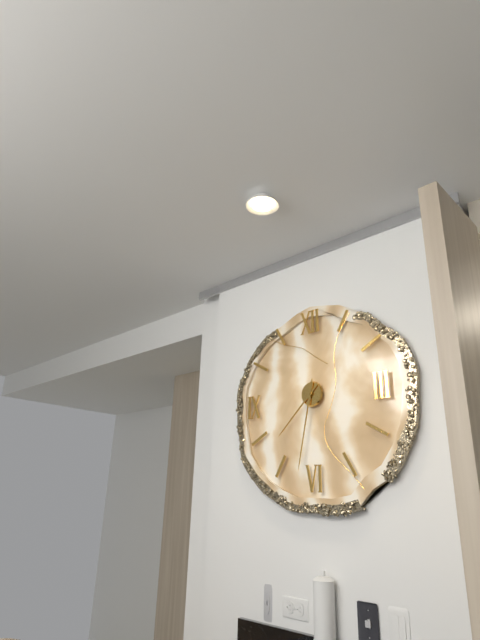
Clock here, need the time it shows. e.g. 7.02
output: 7.32
